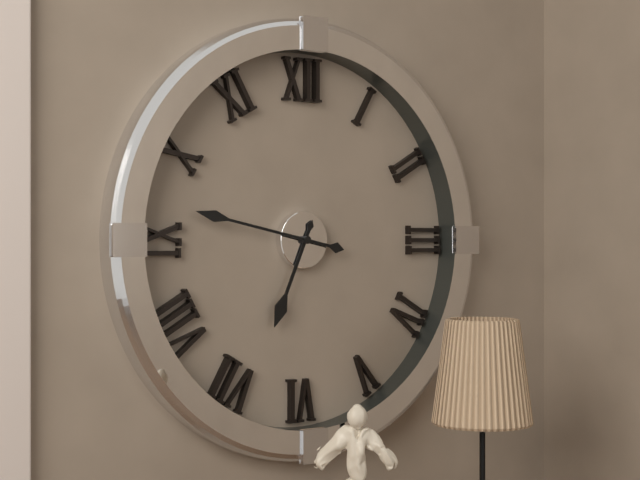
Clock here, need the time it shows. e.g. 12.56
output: 6.47
